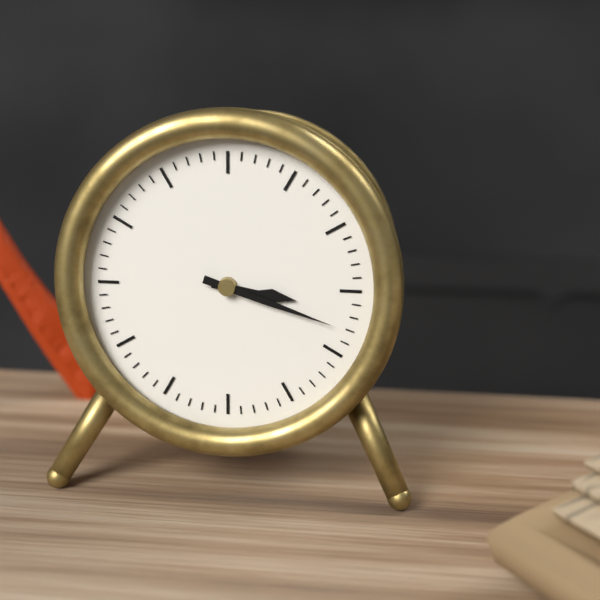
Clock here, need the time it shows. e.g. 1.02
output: 3.18
